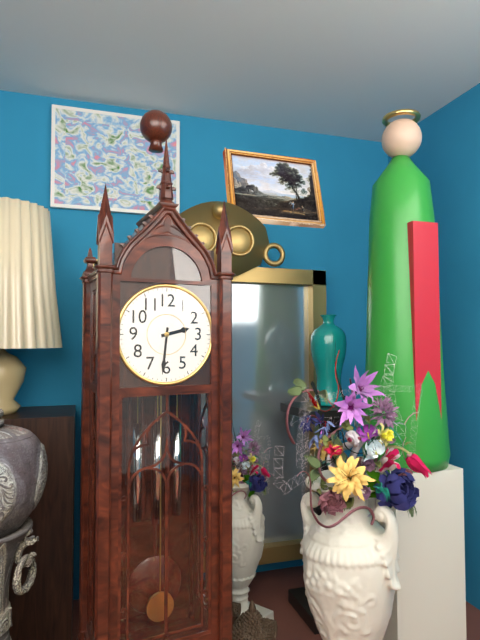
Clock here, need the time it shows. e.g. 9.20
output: 2.31
